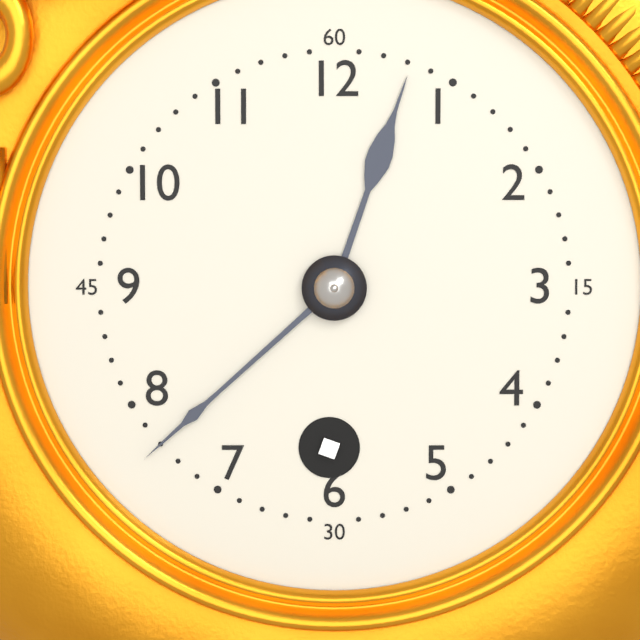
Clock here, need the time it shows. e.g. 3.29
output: 12.38
